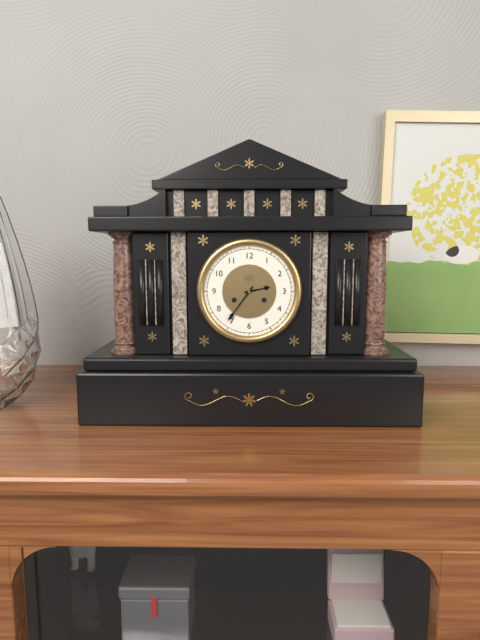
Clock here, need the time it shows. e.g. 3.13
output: 2.36
